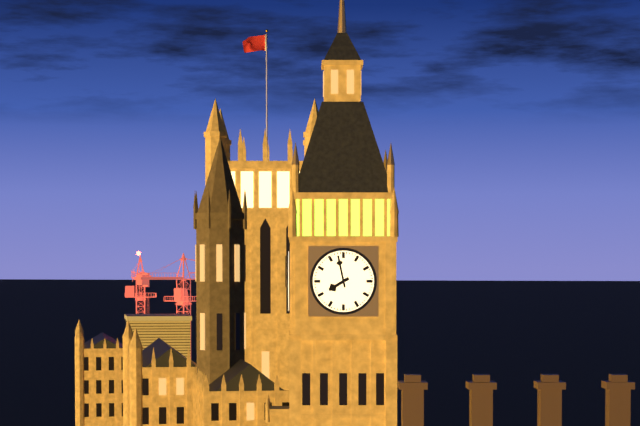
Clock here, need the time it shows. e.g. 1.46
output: 7.58
